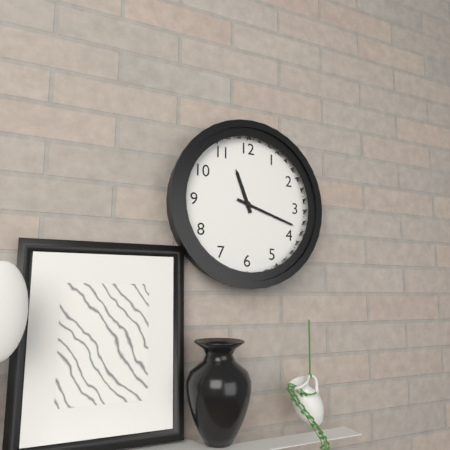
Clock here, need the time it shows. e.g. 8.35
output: 11.18
